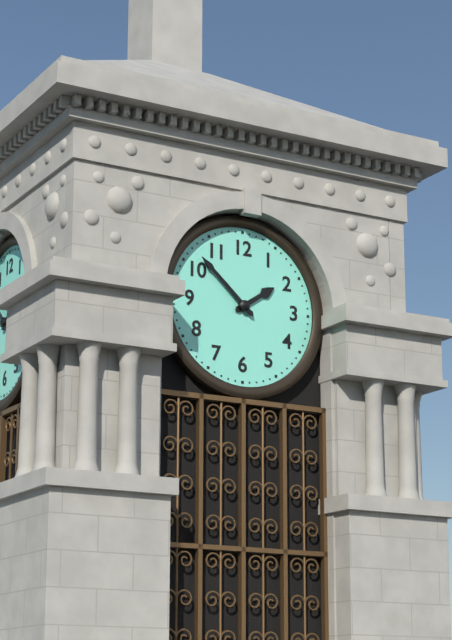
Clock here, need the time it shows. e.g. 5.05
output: 1.52
